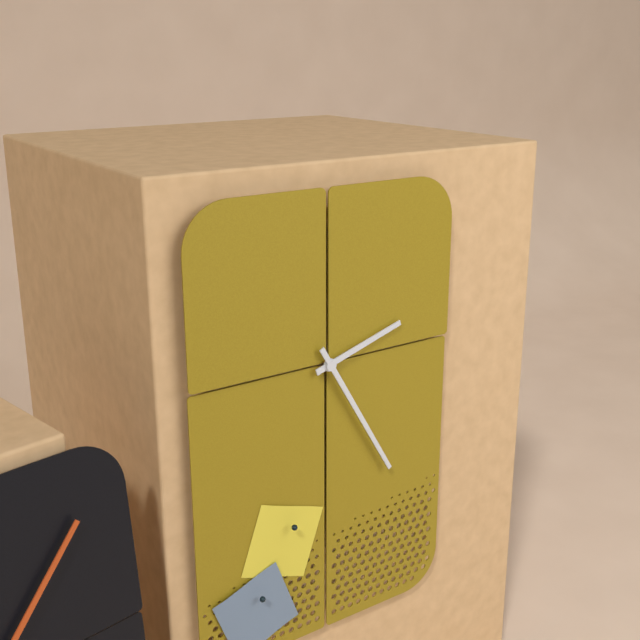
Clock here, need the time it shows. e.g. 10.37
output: 2.25
